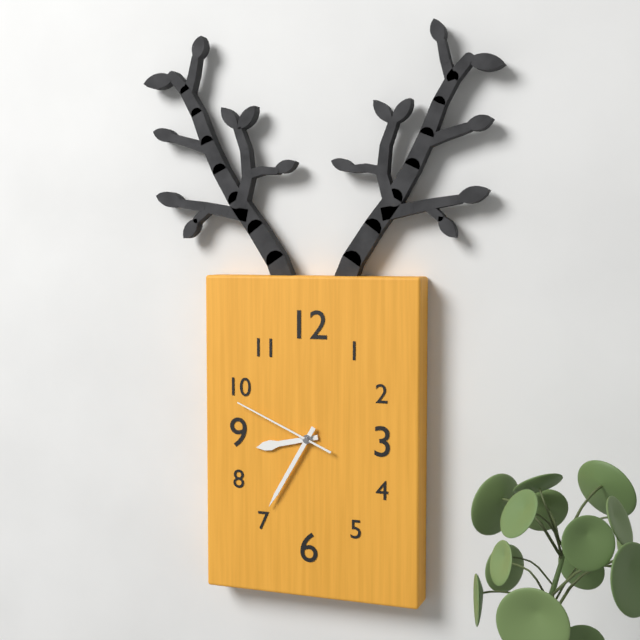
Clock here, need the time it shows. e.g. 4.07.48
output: 8.35.49
